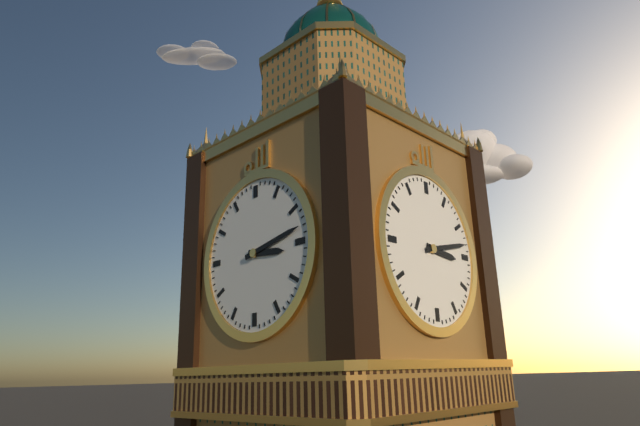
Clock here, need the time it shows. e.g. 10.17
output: 3.13
